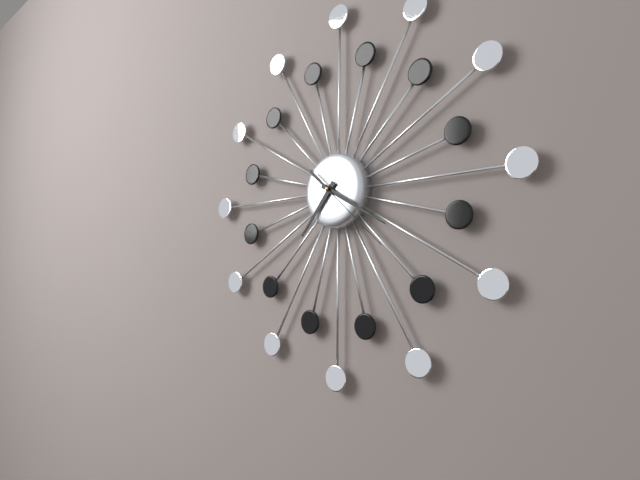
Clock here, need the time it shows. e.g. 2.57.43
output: 7.20.22
